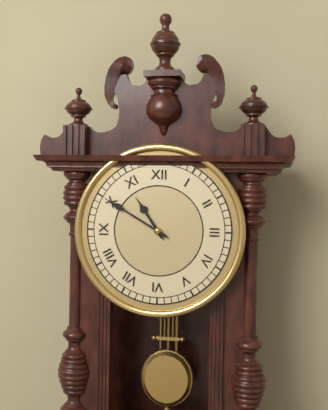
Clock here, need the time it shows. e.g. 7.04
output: 10.50
